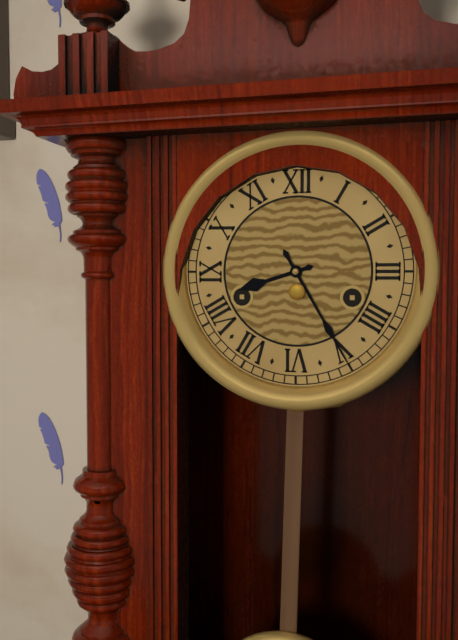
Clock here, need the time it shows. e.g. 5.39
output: 8.25
